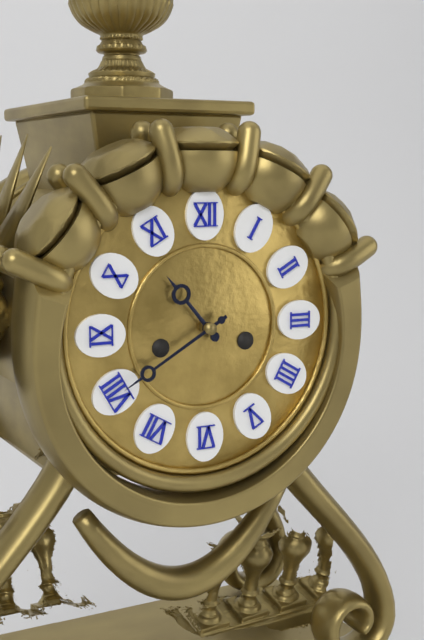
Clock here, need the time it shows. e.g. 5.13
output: 10.40
